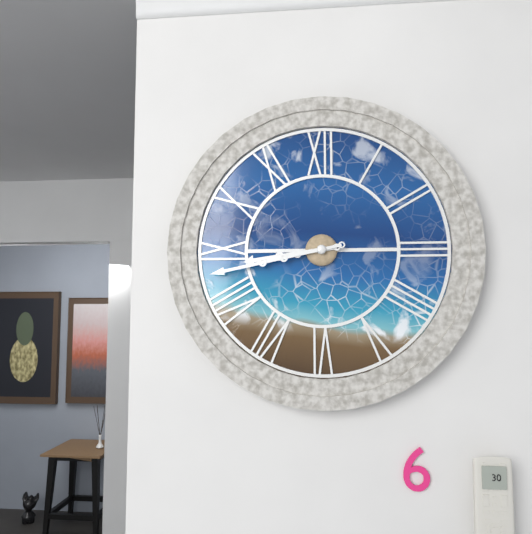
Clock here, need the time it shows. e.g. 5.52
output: 8.43
